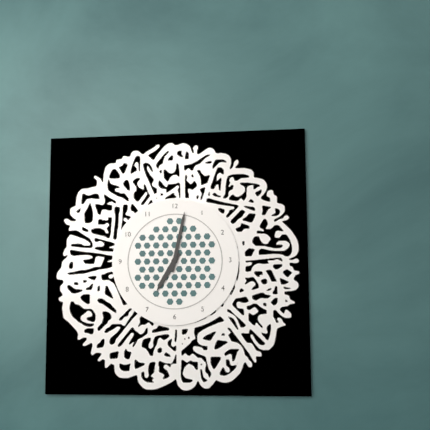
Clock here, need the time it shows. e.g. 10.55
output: 7.02
